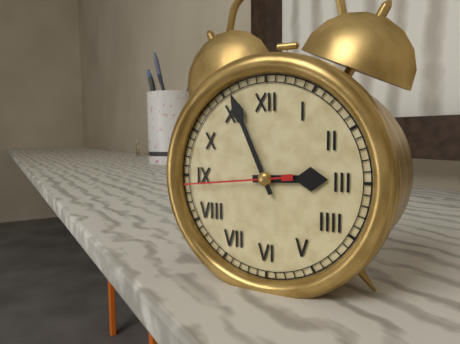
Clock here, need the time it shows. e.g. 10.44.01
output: 2.56.44
